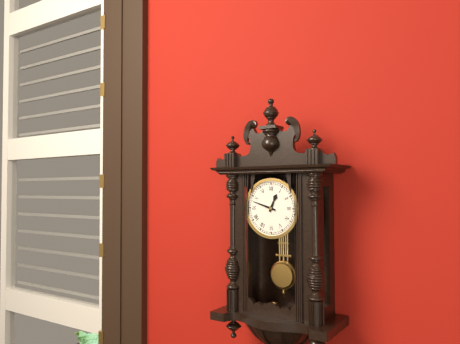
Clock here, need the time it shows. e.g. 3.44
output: 12.48
